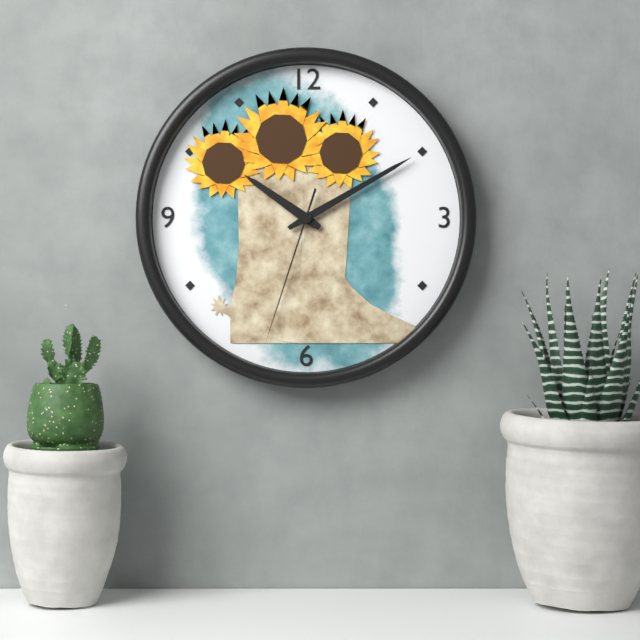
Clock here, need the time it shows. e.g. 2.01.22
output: 10.10.33
